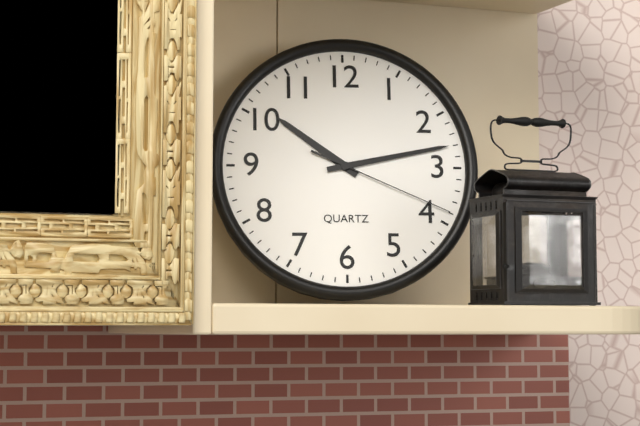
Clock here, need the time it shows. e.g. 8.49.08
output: 10.13.19
